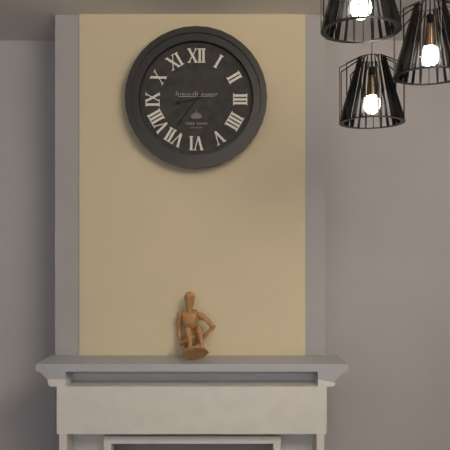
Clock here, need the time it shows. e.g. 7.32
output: 8.36
